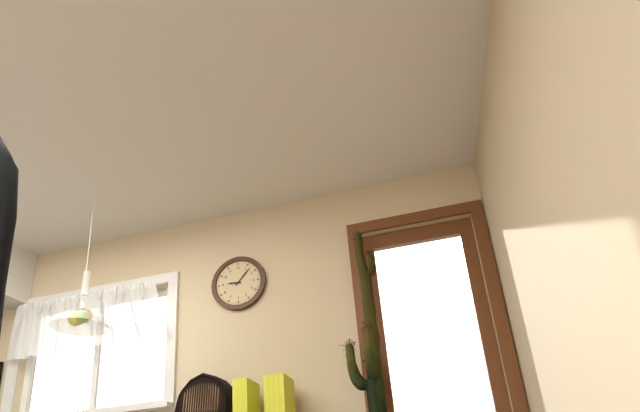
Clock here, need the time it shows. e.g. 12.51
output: 9.07
